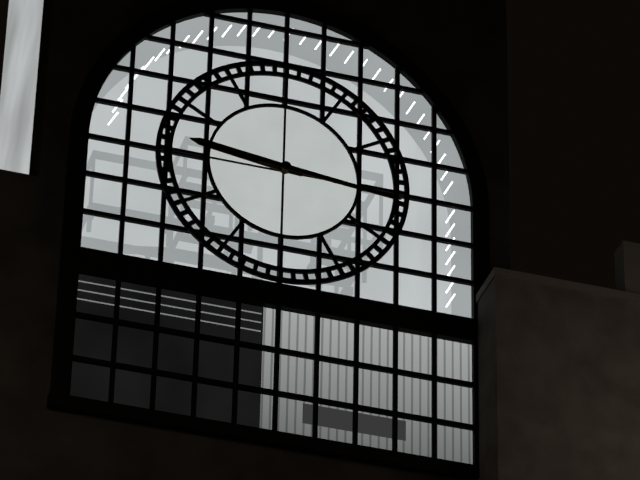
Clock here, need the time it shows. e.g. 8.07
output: 9.16
